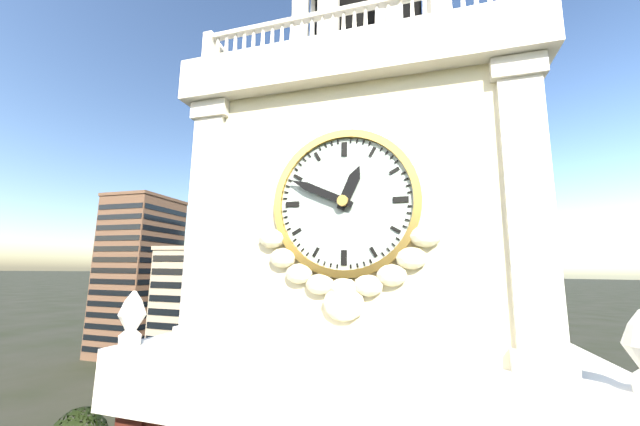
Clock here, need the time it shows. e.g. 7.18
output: 12.49
